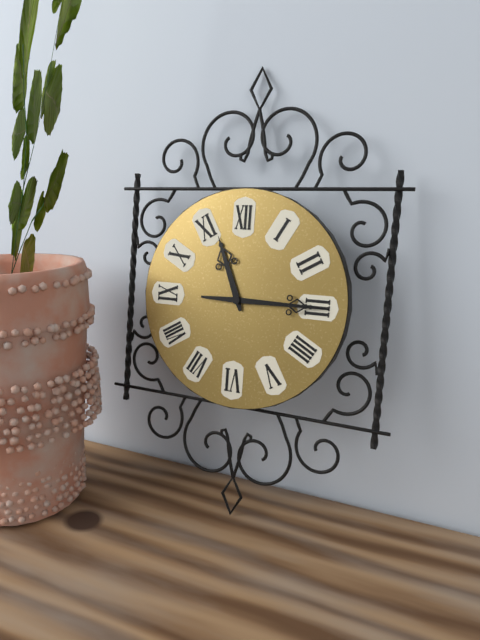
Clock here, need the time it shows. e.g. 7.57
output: 11.15
